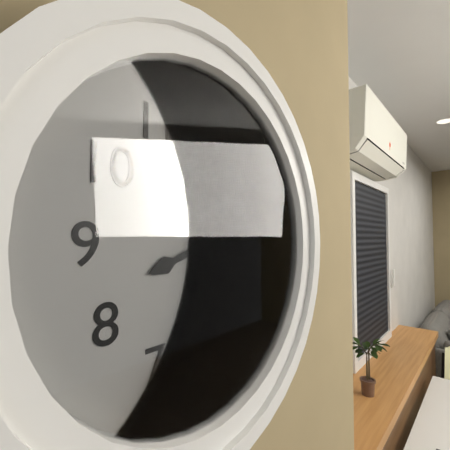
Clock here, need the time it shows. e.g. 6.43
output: 8.21
